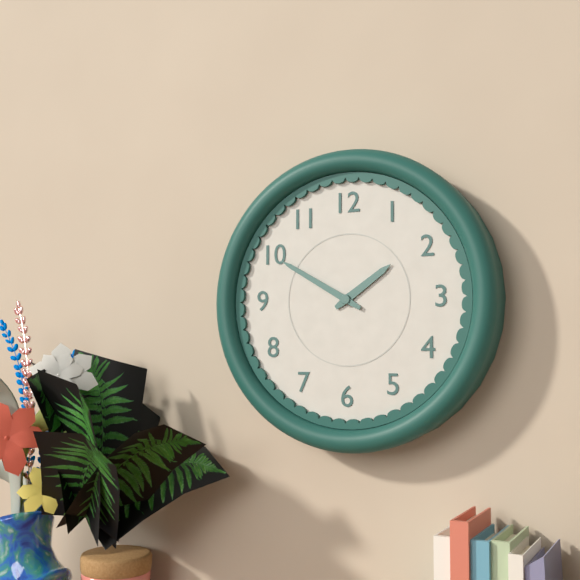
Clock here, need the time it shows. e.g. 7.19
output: 1.50
